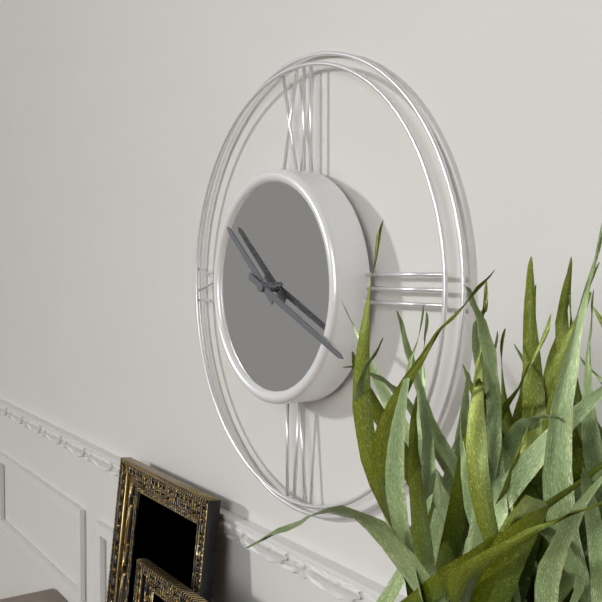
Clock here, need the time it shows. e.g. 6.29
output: 10.19
